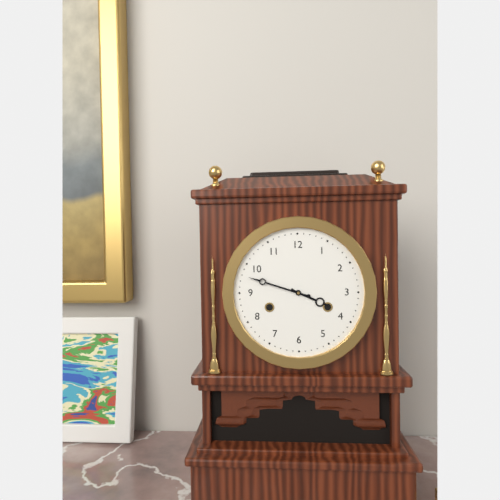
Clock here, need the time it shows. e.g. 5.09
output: 3.48
